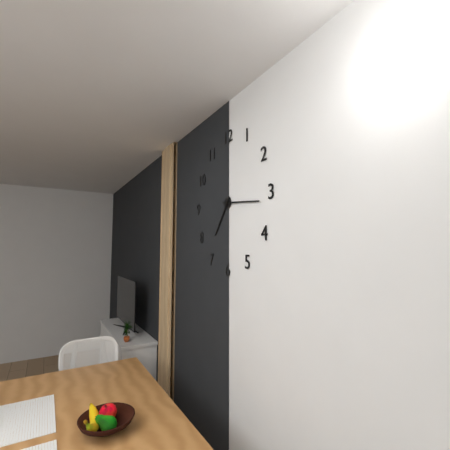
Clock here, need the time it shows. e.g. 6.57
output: 7.16
